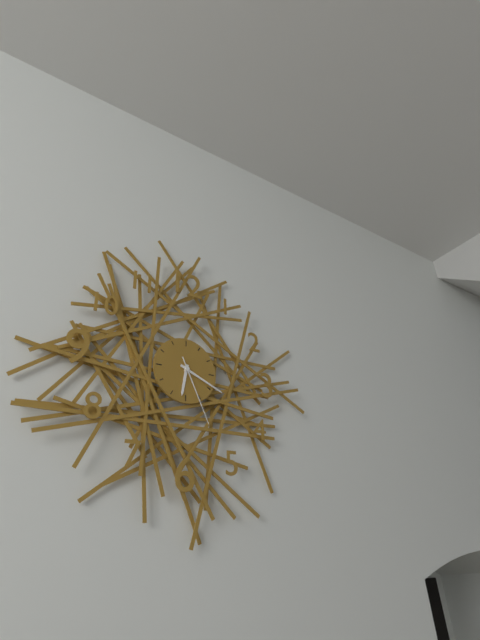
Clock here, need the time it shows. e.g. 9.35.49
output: 6.19.26
